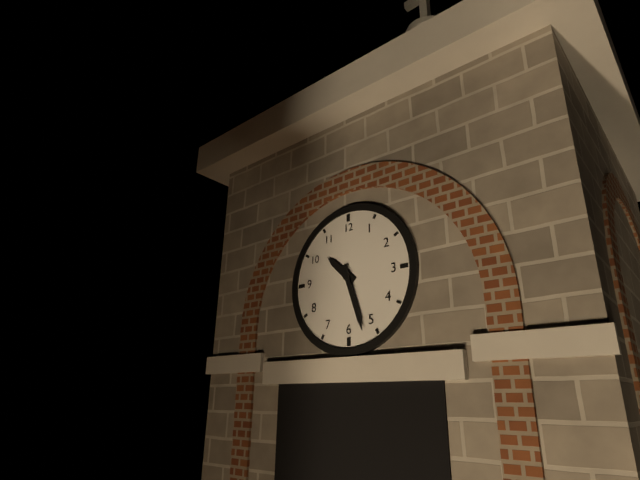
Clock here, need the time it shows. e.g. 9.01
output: 10.27
